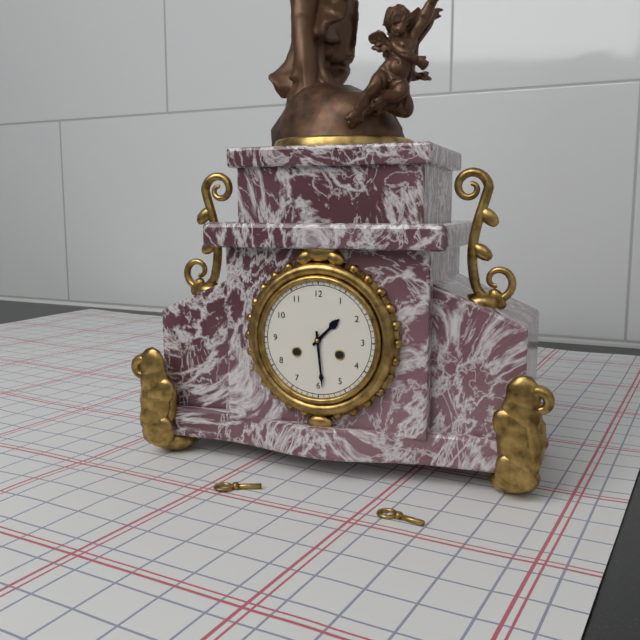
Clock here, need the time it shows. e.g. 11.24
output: 1.29
